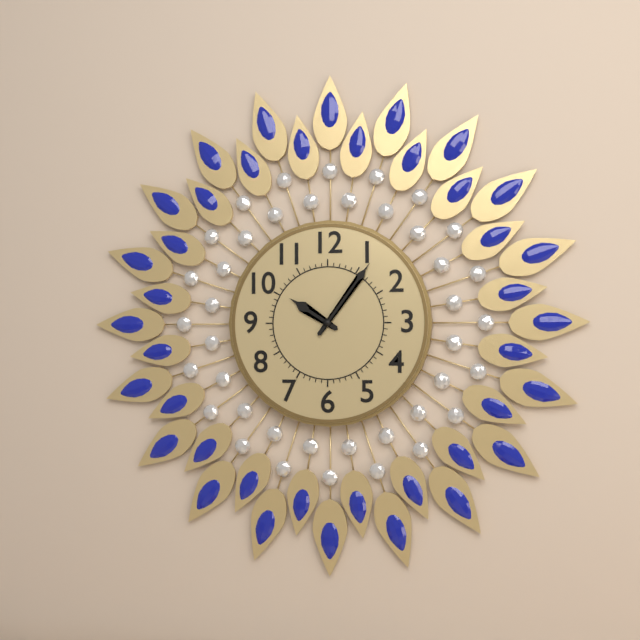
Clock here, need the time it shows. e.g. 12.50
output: 10.06
